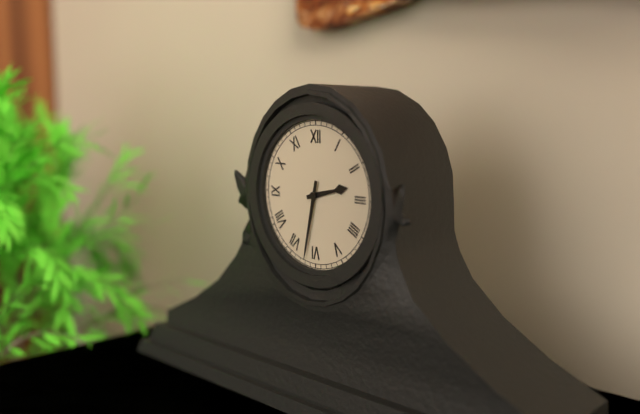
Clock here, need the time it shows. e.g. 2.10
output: 2.32
